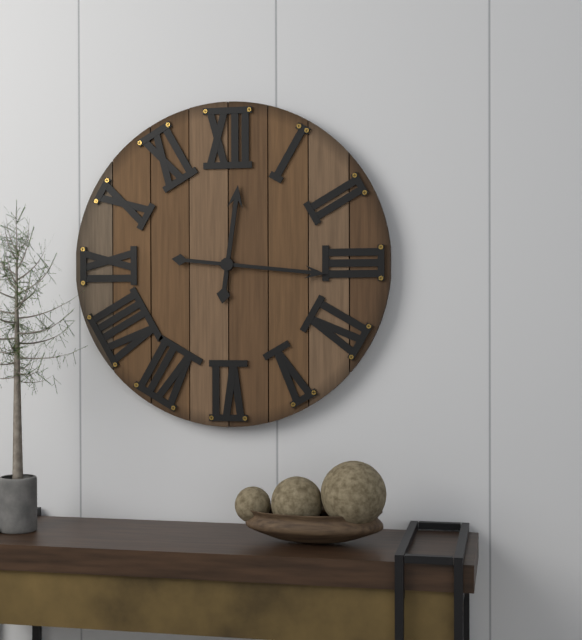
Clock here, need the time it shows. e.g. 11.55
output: 12.16
